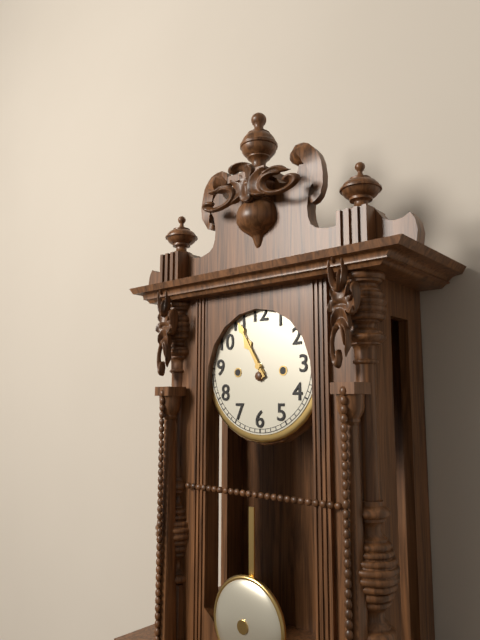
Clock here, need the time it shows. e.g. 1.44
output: 10.55
